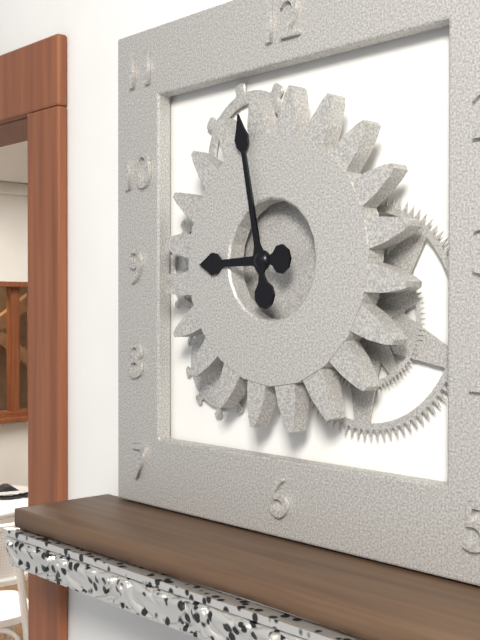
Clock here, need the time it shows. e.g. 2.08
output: 8.58
